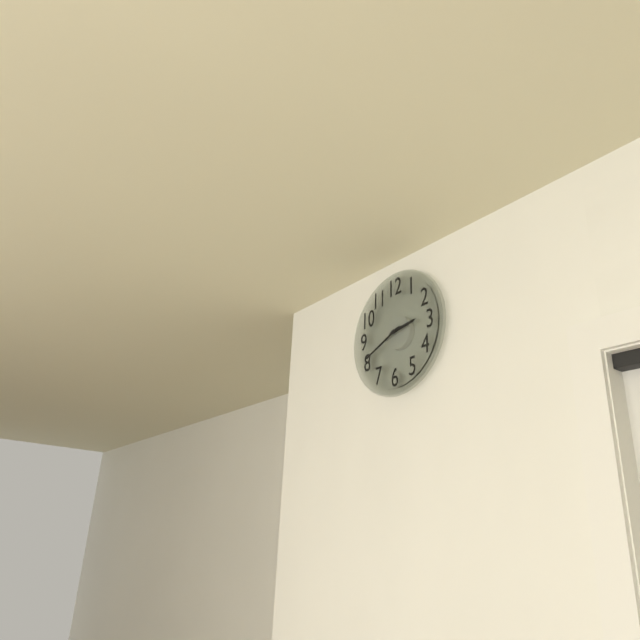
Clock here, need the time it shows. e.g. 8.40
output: 2.41
